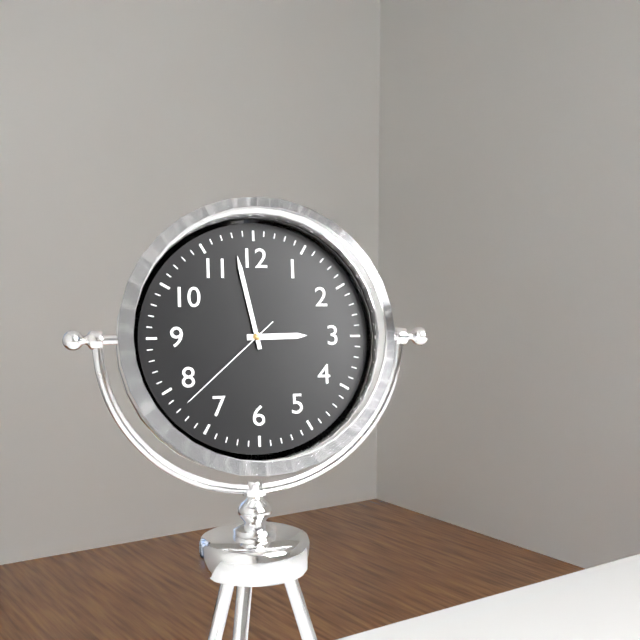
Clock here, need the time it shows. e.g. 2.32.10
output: 2.58.38
